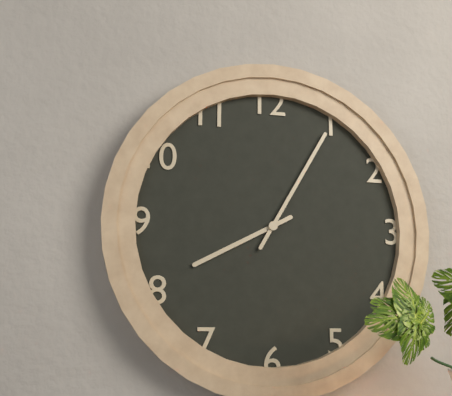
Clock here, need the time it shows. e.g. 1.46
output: 8.05
